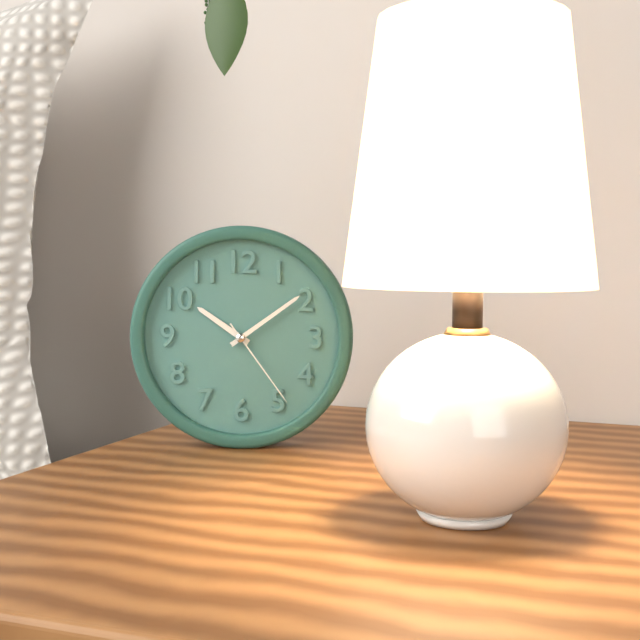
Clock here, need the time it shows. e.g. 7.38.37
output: 10.09.24
